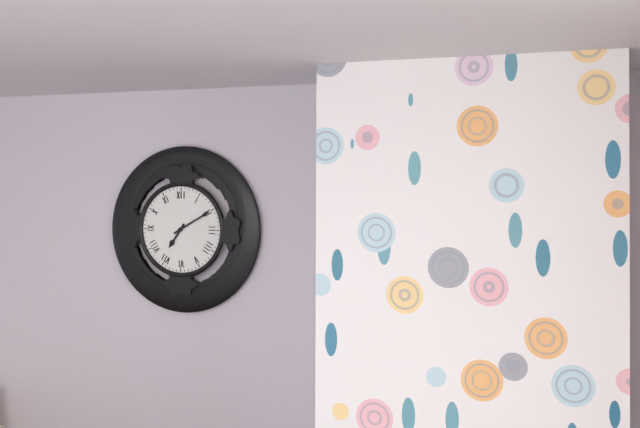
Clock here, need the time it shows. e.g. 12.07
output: 7.10
